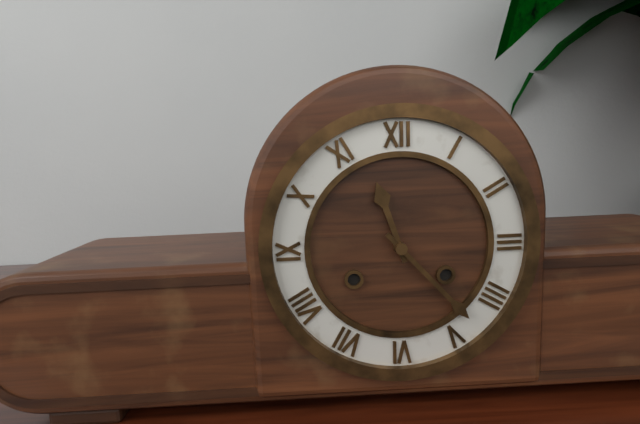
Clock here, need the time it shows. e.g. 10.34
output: 11.23
